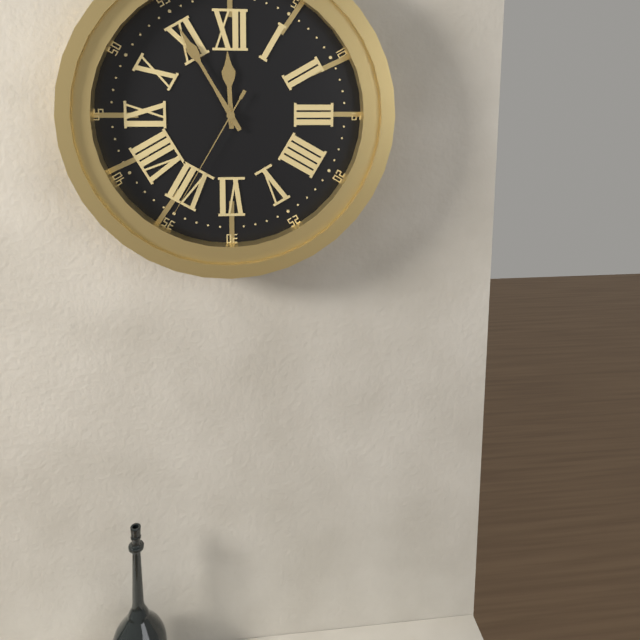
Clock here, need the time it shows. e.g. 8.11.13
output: 11.55.35
